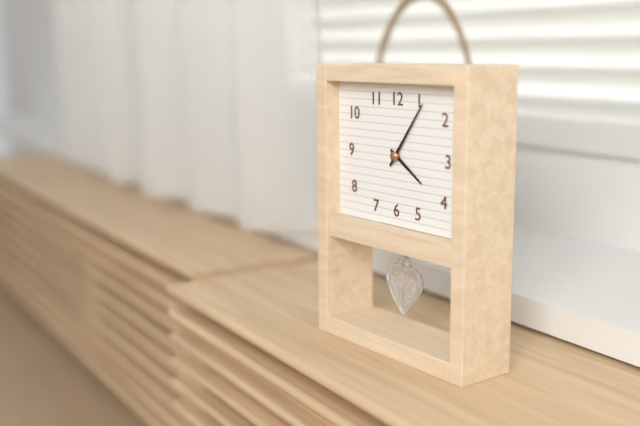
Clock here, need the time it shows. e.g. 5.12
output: 4.06
